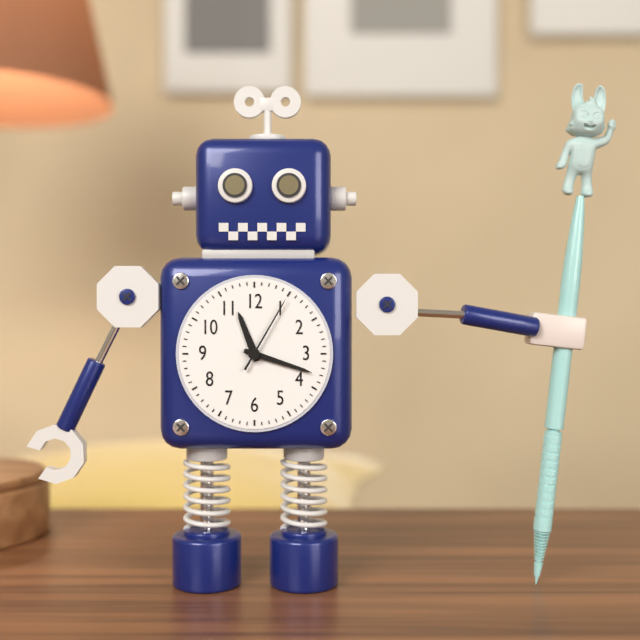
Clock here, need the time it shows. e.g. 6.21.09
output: 11.18.05
